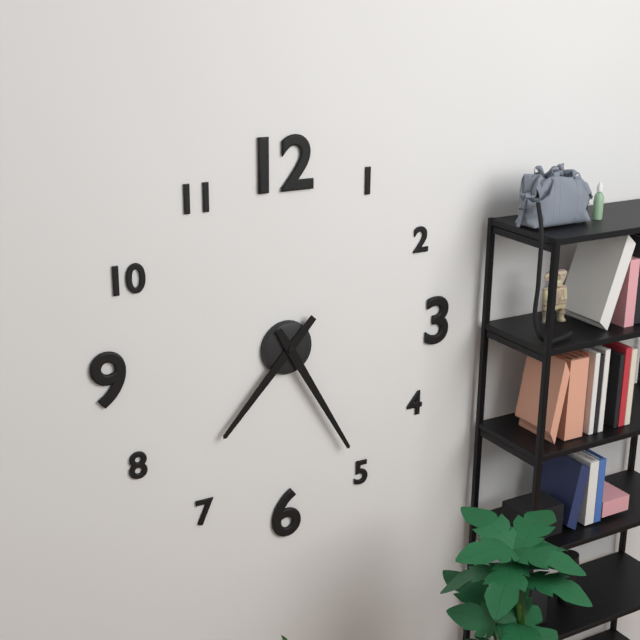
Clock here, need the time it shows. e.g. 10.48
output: 7.25
